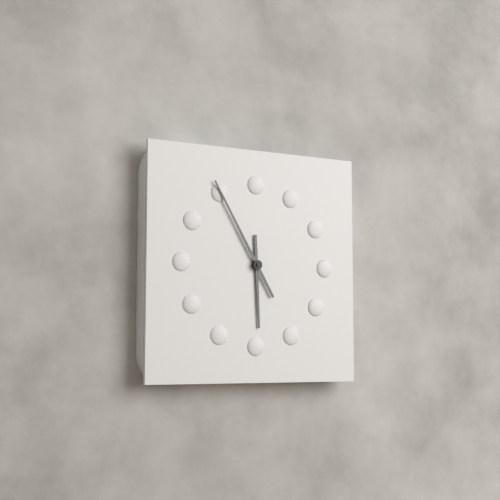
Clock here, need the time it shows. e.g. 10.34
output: 5.55
